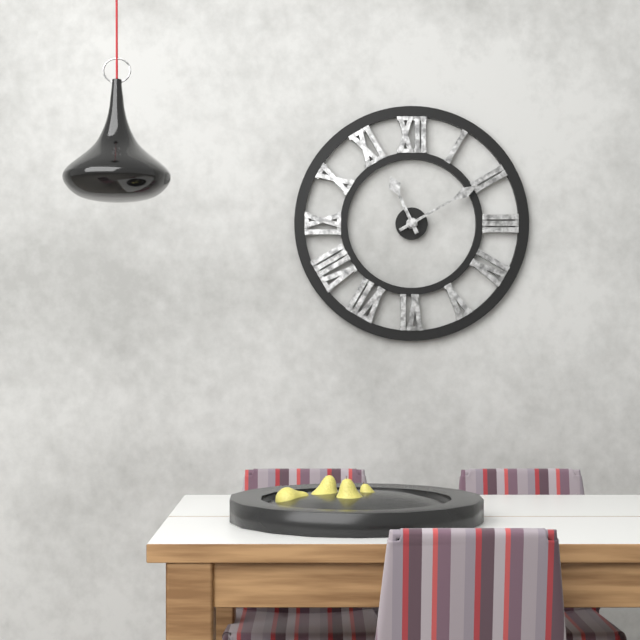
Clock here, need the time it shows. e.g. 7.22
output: 11.10
